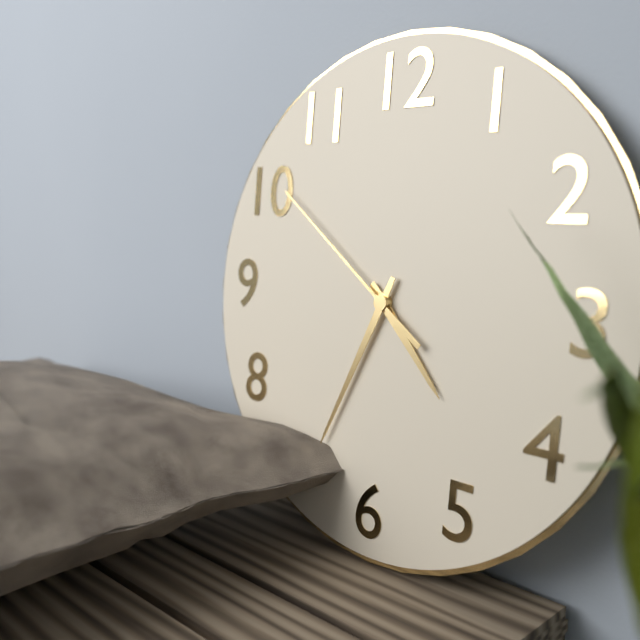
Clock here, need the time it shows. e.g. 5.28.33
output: 4.34.51
